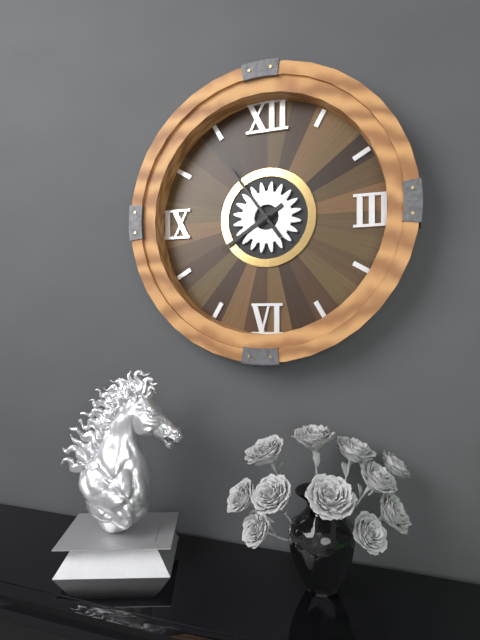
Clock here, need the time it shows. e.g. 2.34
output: 7.54
